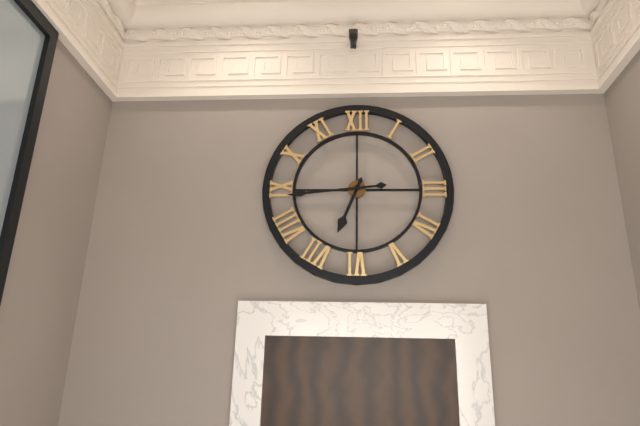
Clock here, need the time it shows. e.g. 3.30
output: 6.44
